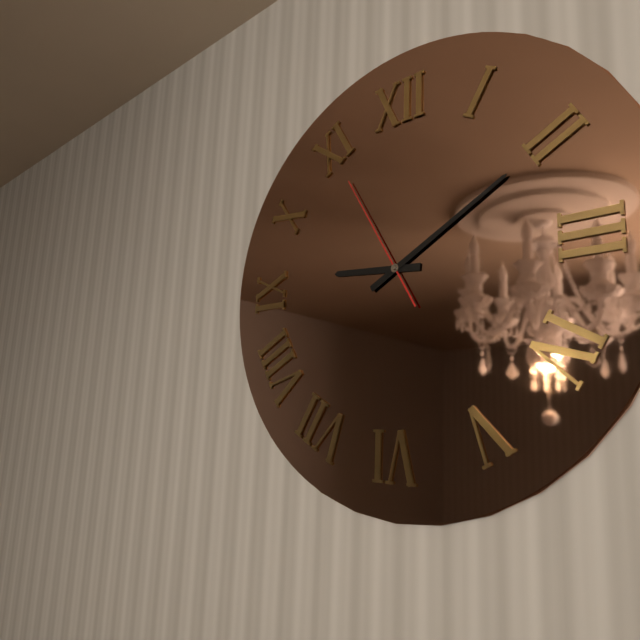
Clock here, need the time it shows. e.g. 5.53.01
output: 9.10.55
